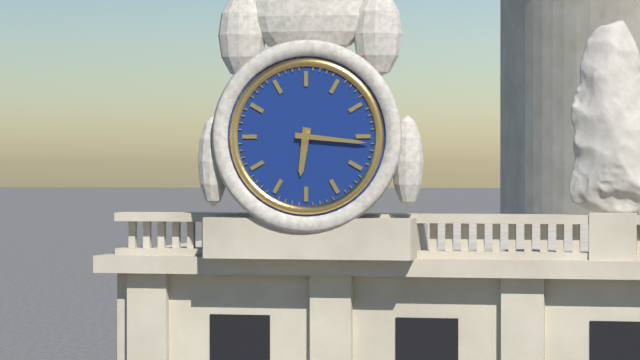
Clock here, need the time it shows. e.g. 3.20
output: 6.16
